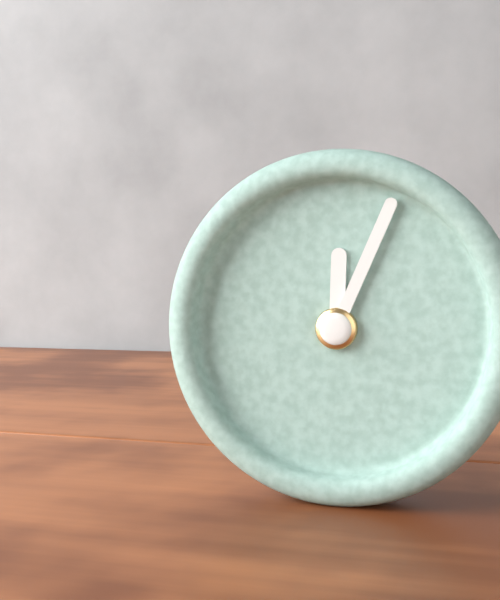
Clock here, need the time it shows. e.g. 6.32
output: 12.04
